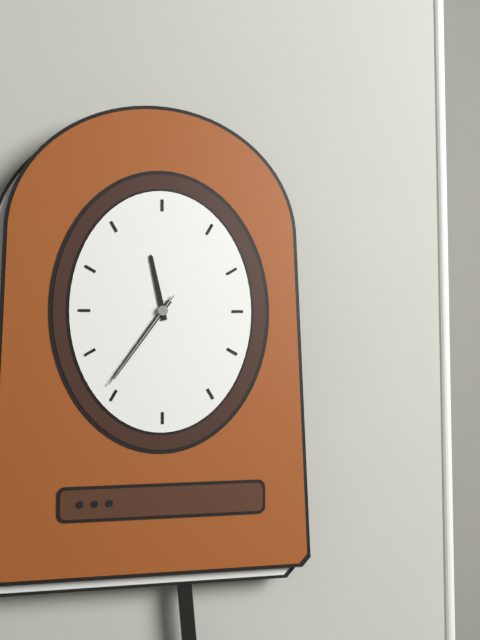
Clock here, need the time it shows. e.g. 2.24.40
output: 11.36.36
